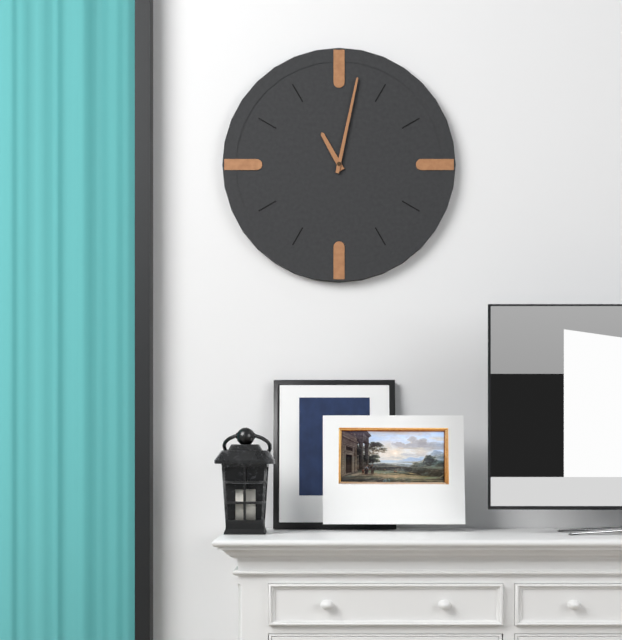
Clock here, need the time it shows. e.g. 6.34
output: 11.02
